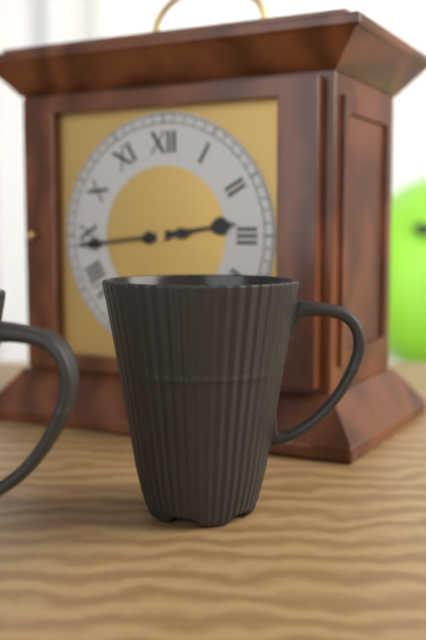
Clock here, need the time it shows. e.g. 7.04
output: 2.44
